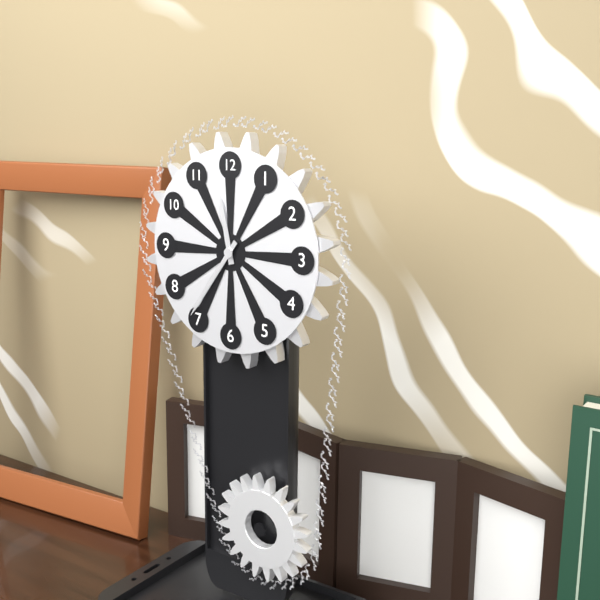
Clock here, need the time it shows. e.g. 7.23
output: 11.36
